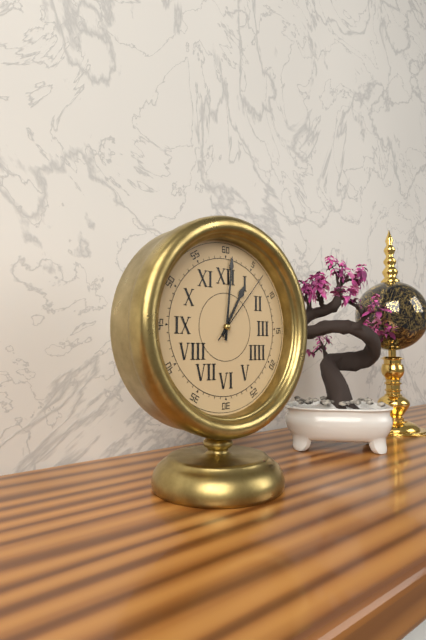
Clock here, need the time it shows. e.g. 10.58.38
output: 1.01.07
